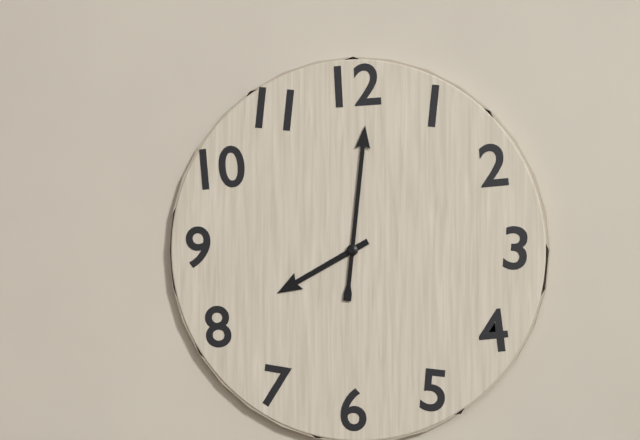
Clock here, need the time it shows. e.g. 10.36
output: 8.01
